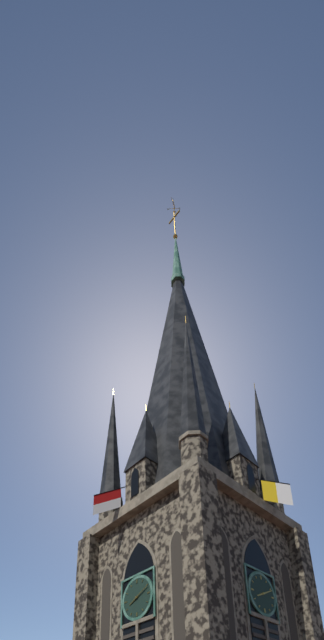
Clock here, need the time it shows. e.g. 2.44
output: 8.11
